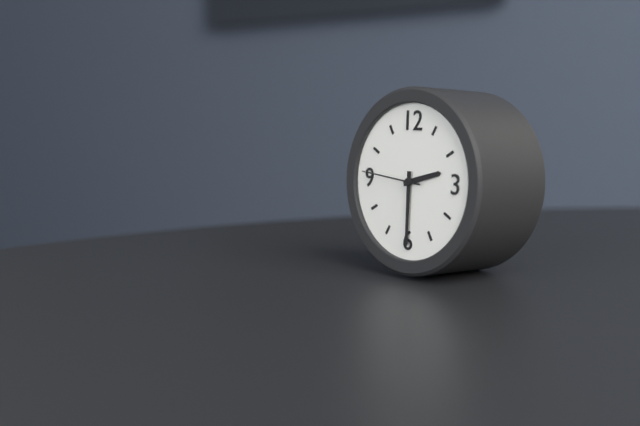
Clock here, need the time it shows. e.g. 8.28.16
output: 2.30.46
